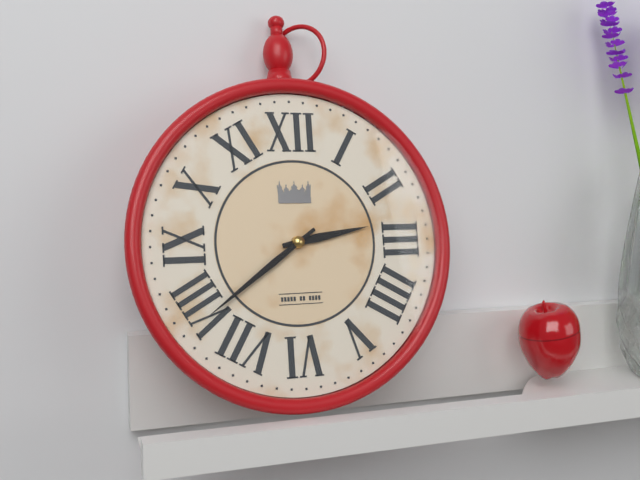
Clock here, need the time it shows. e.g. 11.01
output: 2.39
